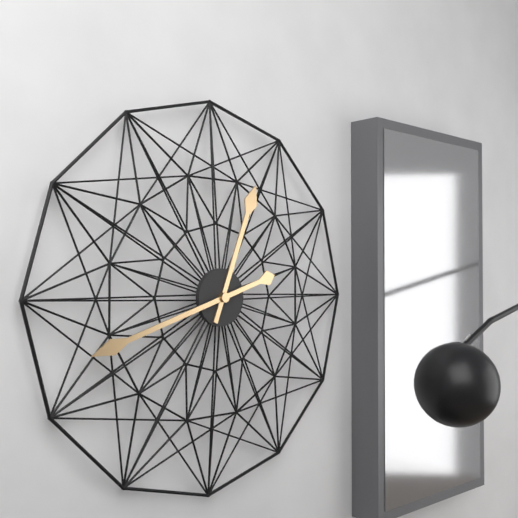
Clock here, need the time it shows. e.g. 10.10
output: 12.42
